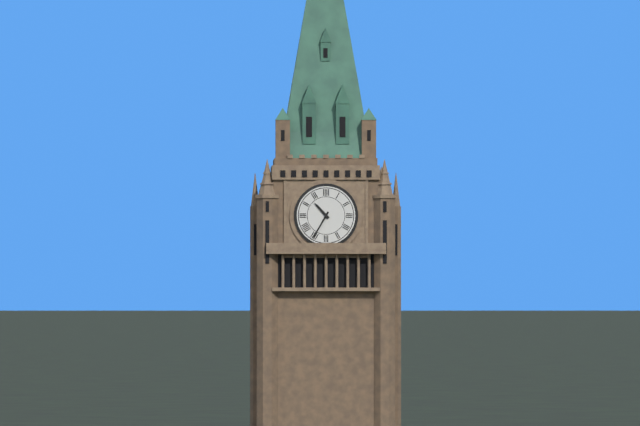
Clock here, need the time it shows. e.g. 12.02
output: 10.35
